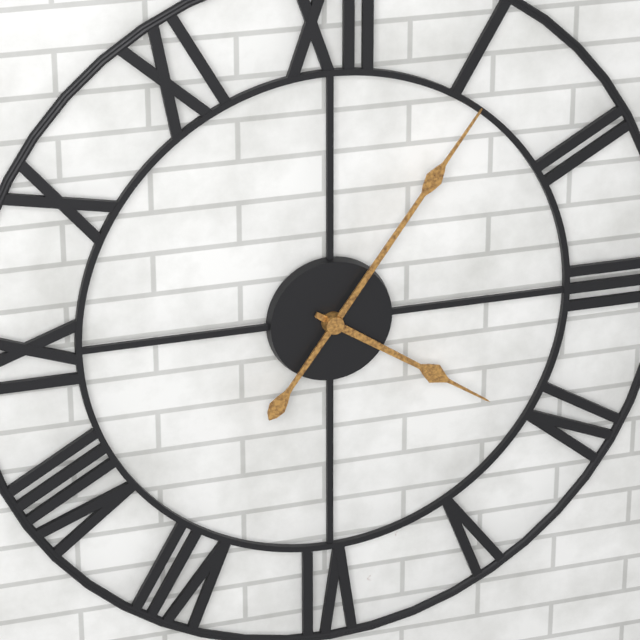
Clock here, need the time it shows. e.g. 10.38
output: 4.06
